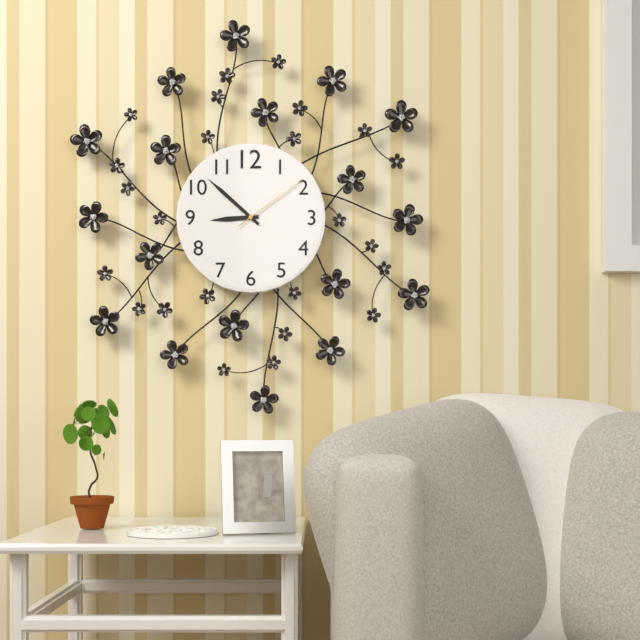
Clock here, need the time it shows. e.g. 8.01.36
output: 8.52.09
